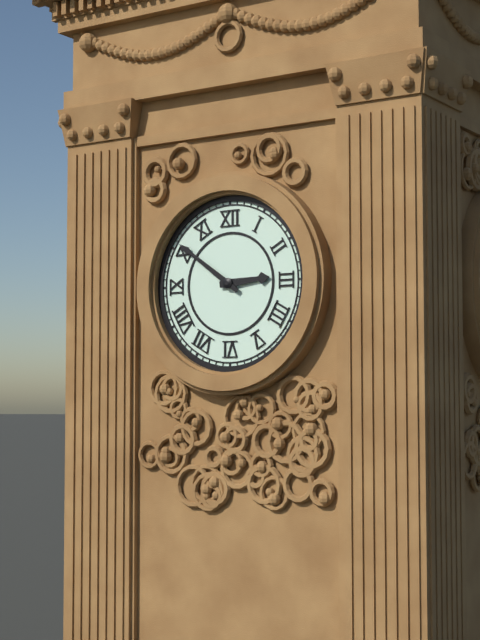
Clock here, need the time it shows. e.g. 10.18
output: 2.51
